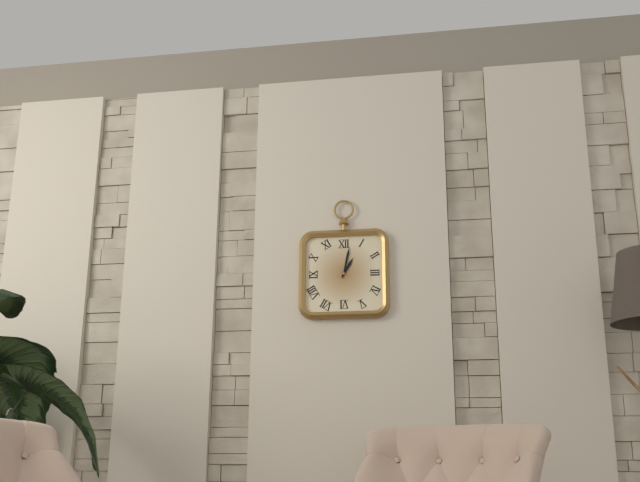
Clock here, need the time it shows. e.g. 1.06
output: 1.02
